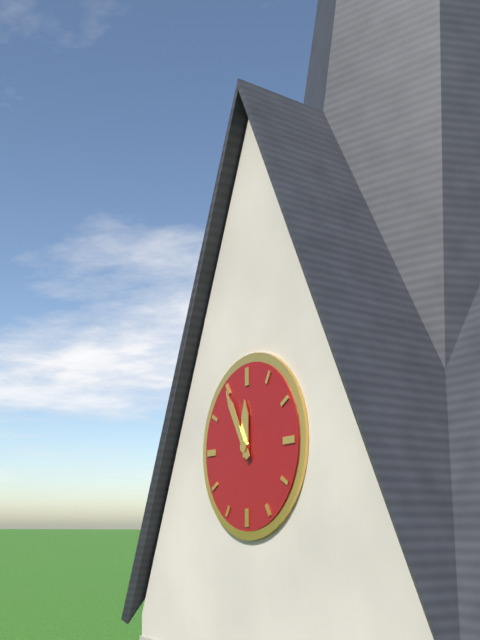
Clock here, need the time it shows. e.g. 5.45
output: 11.55
